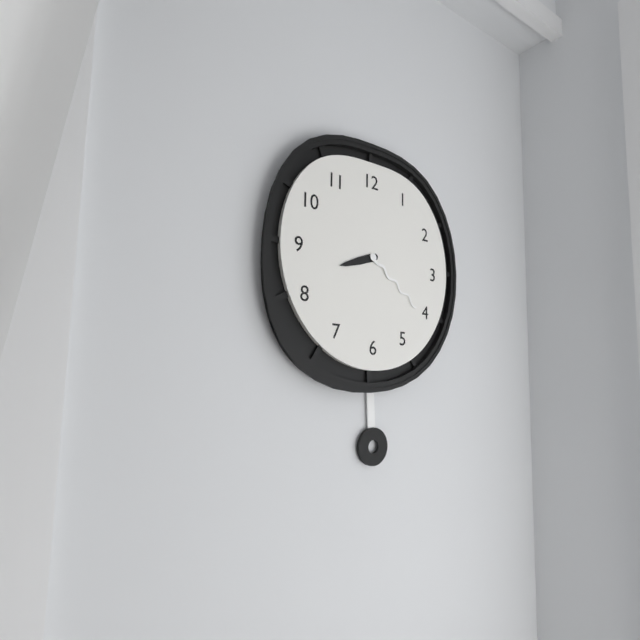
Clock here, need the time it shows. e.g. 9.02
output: 8.21
